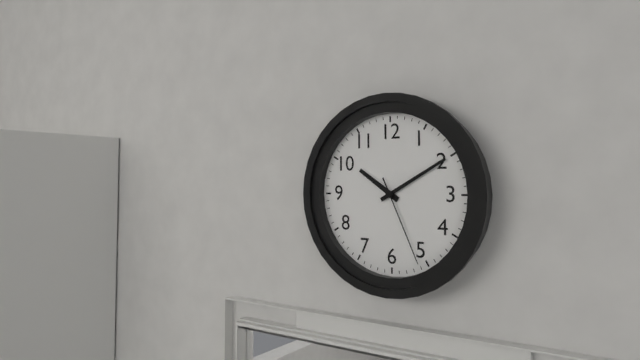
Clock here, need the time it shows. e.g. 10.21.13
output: 10.10.26
